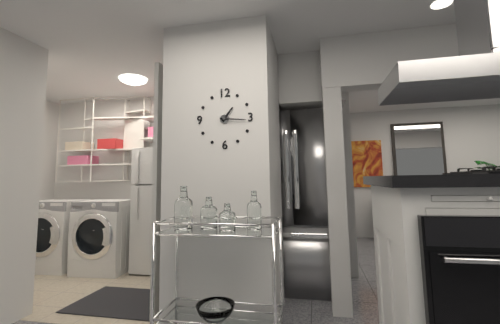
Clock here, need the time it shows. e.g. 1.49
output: 1.16
